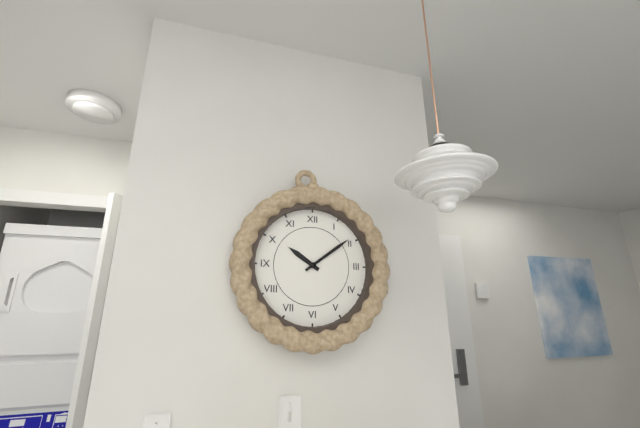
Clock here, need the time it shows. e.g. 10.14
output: 10.09
